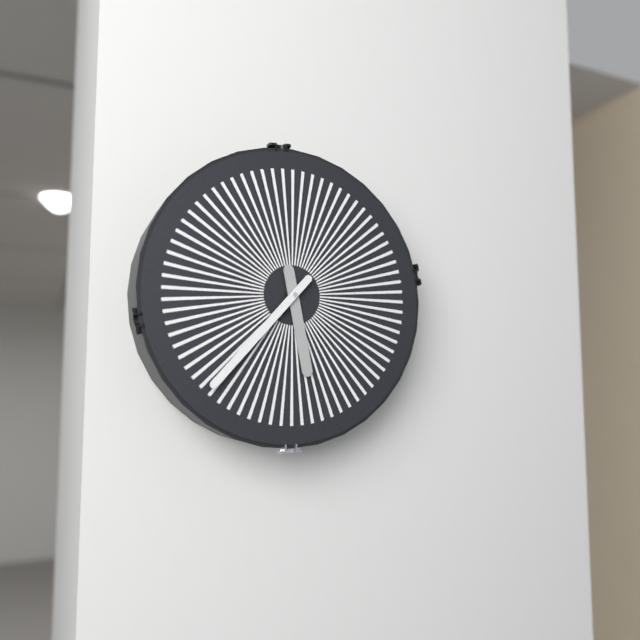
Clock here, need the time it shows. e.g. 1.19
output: 5.37
